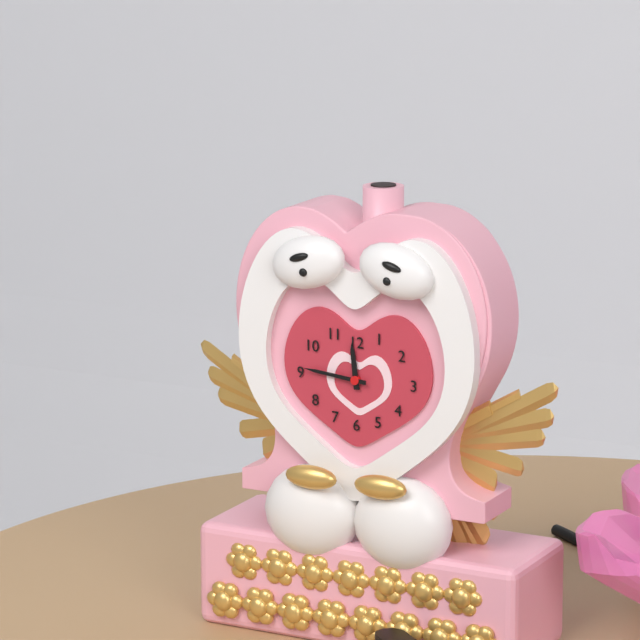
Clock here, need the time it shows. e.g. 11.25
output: 11.46
